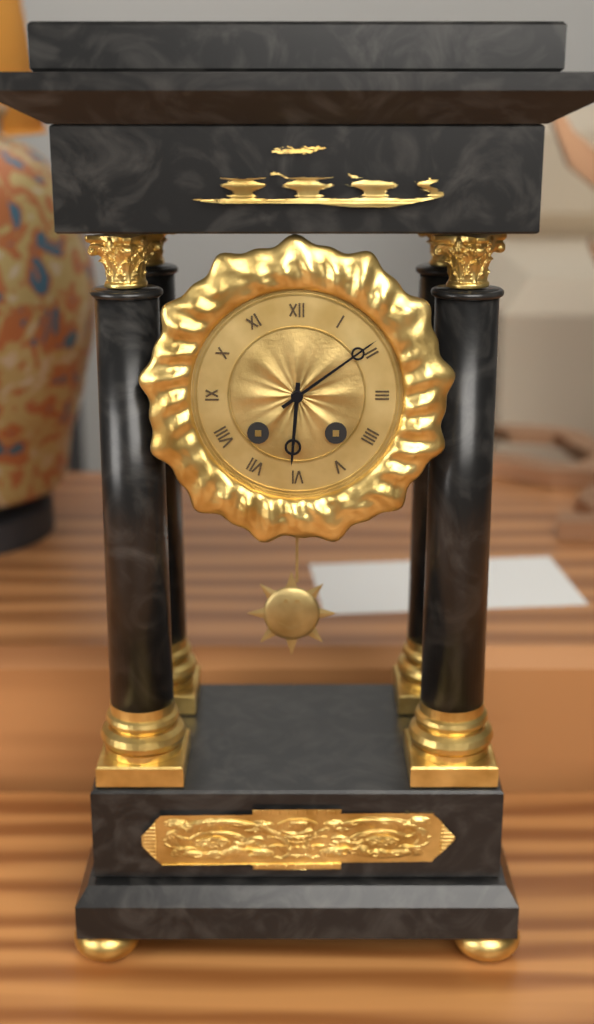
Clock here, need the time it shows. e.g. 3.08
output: 6.09
